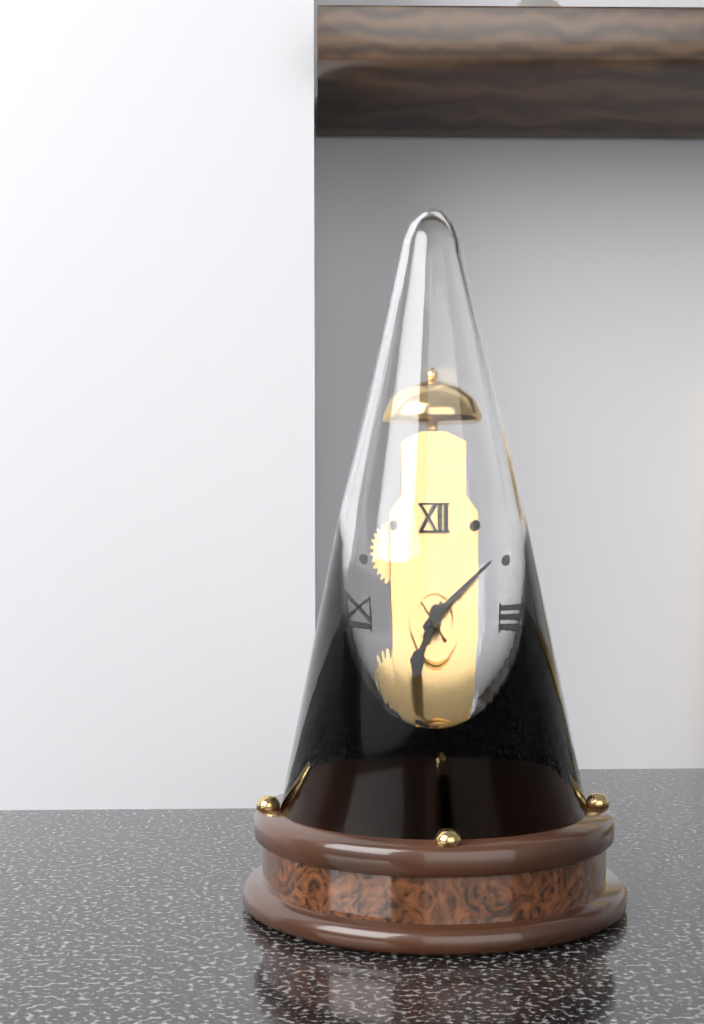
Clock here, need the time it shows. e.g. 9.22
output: 7.09
